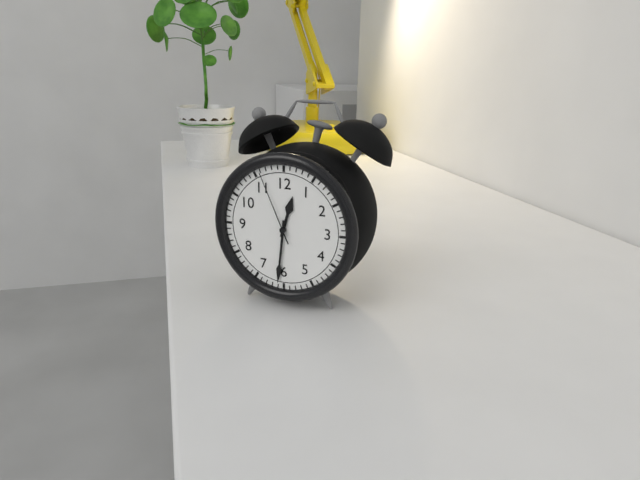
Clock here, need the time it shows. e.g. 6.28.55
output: 12.31.56
